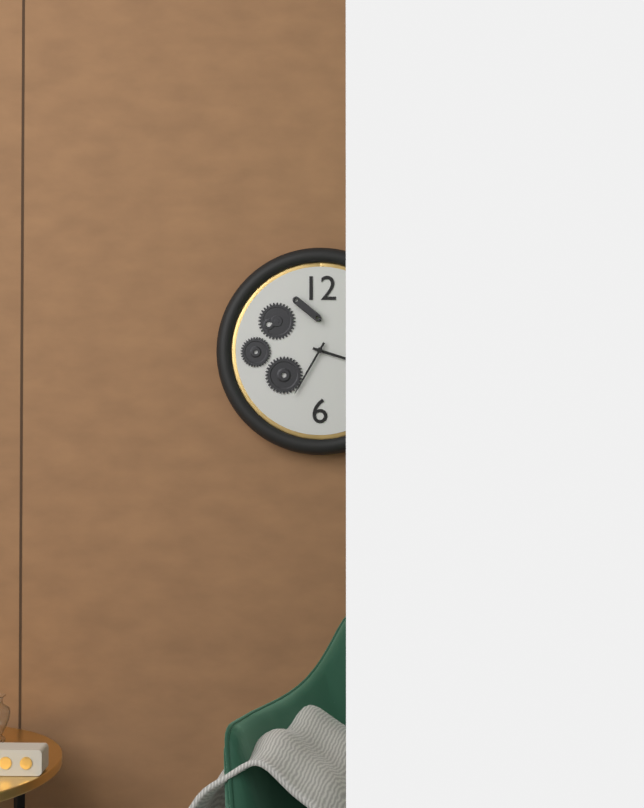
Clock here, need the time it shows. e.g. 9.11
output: 3.35
